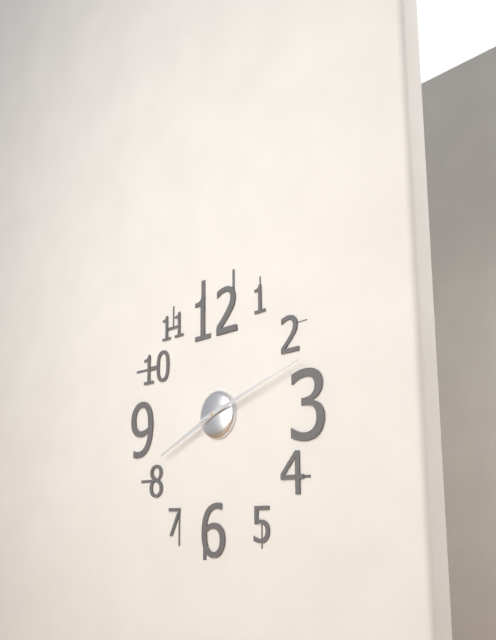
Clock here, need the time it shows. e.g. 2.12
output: 8.12
